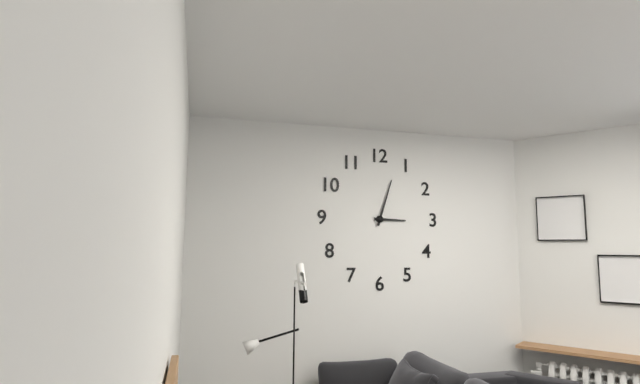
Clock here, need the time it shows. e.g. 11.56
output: 3.03
